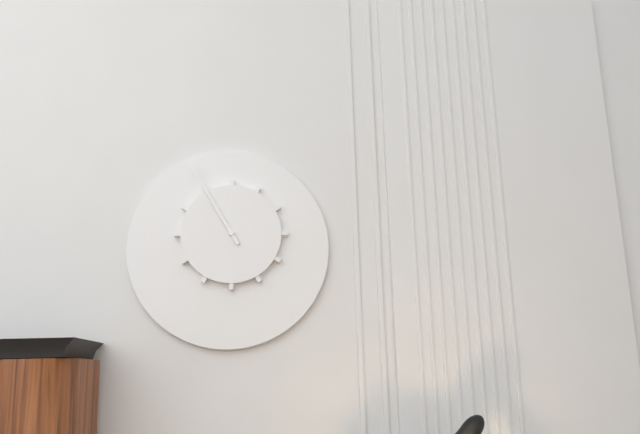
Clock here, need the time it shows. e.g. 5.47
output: 10.55
